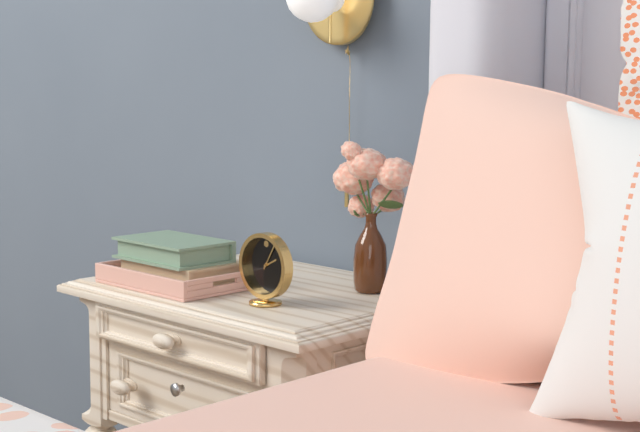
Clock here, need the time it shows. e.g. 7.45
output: 2.05
